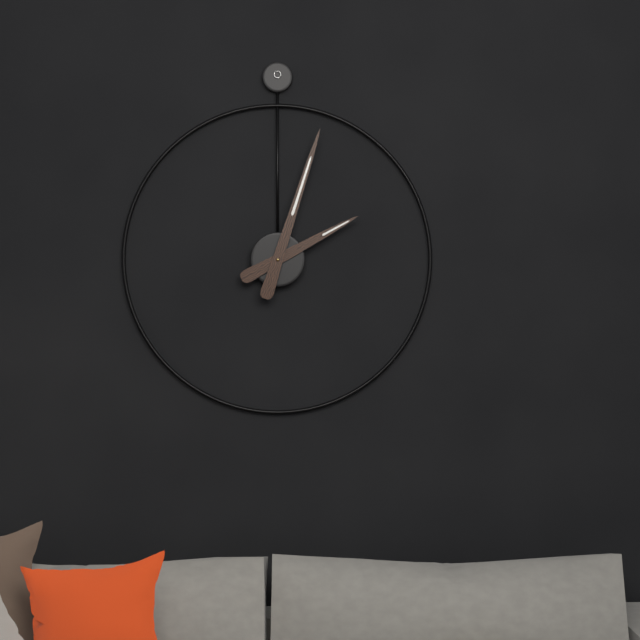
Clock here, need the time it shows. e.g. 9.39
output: 2.03
